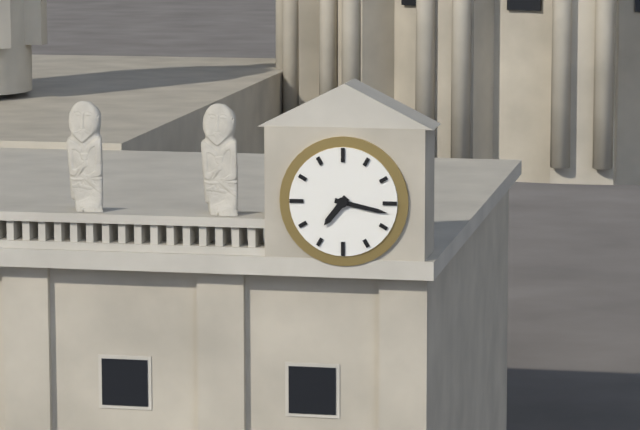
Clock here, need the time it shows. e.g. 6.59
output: 7.17
